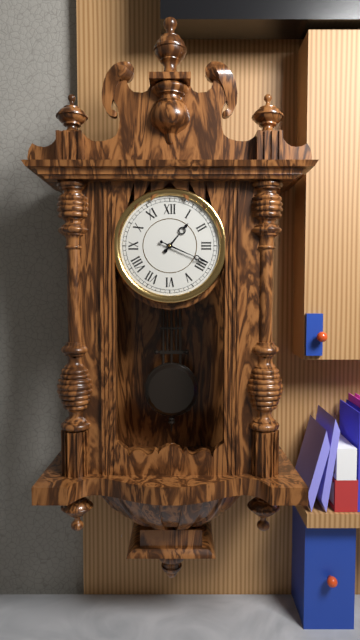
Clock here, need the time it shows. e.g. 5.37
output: 1.19
